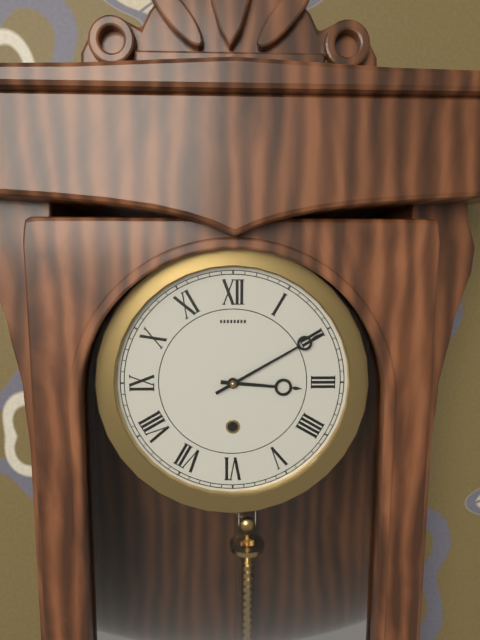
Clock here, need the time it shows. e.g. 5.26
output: 3.10
